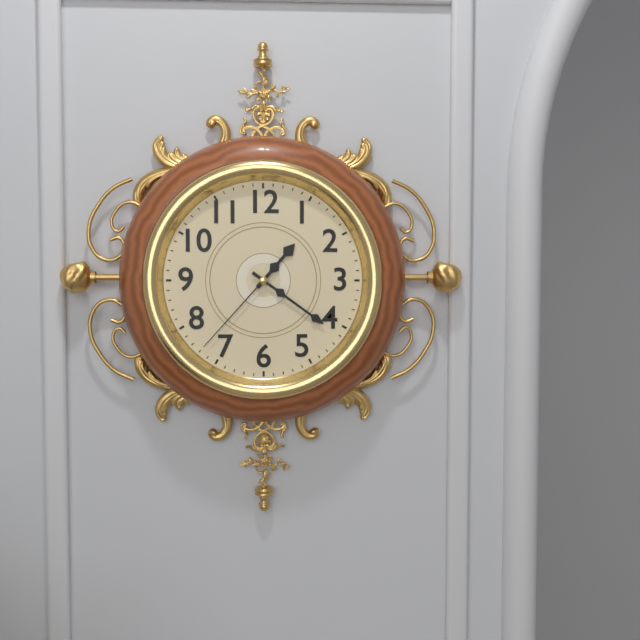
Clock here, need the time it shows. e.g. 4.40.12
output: 1.21.37
